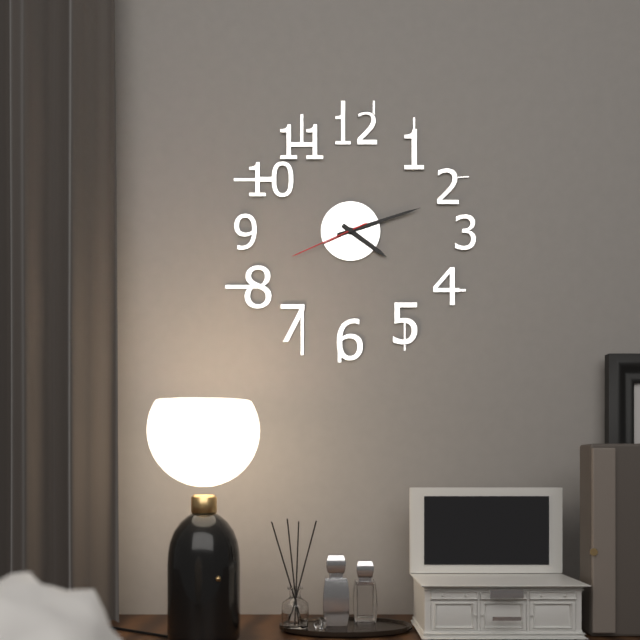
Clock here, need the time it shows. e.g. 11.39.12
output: 4.12.41
